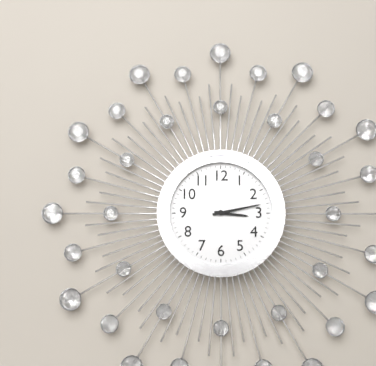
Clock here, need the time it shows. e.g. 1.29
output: 3.13
